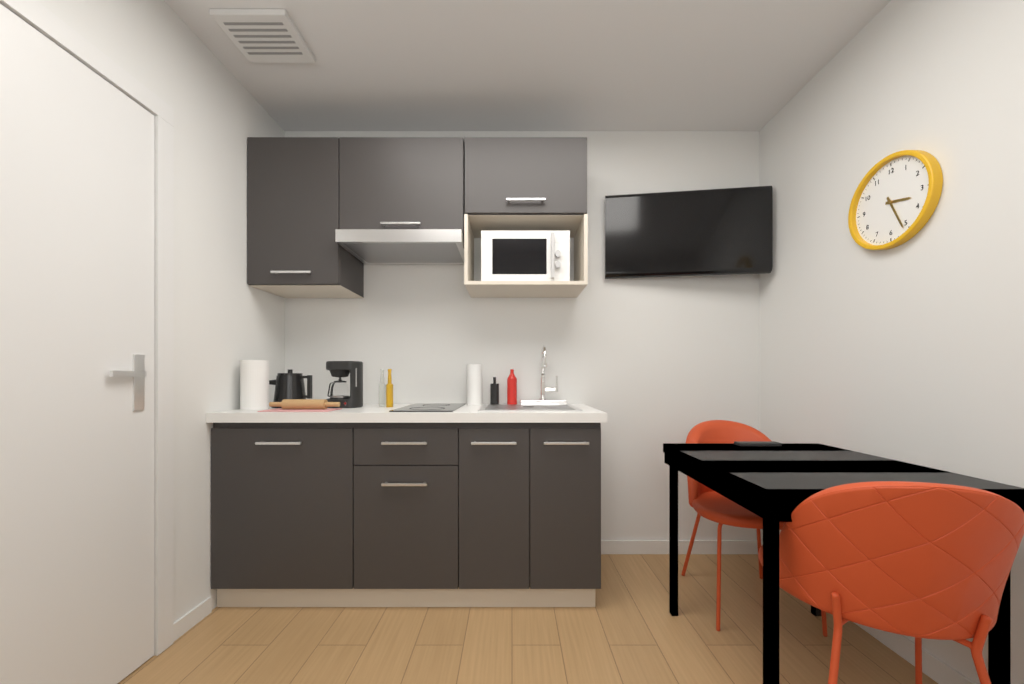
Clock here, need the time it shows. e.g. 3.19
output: 3.26
